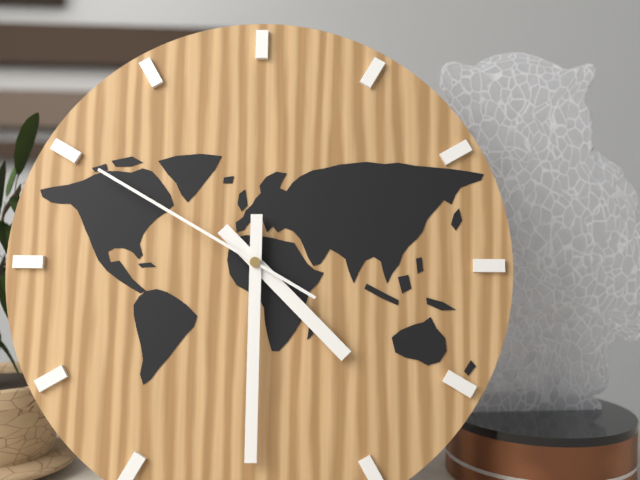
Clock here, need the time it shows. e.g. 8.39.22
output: 4.30.50
